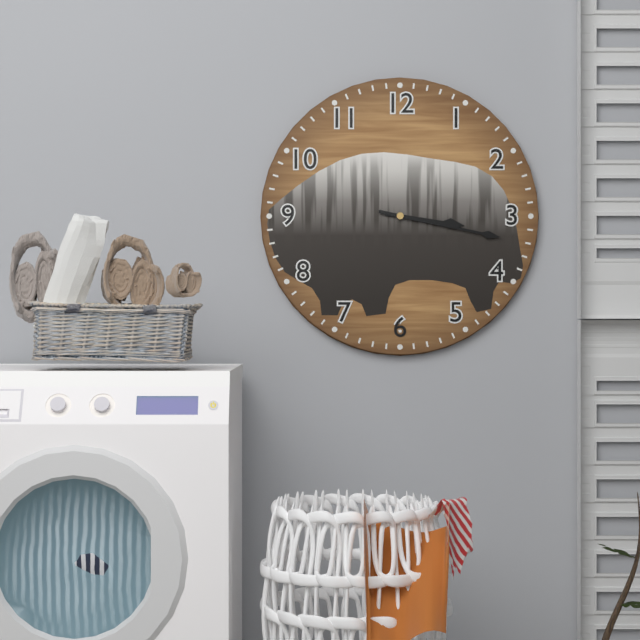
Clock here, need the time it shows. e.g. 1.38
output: 3.17
